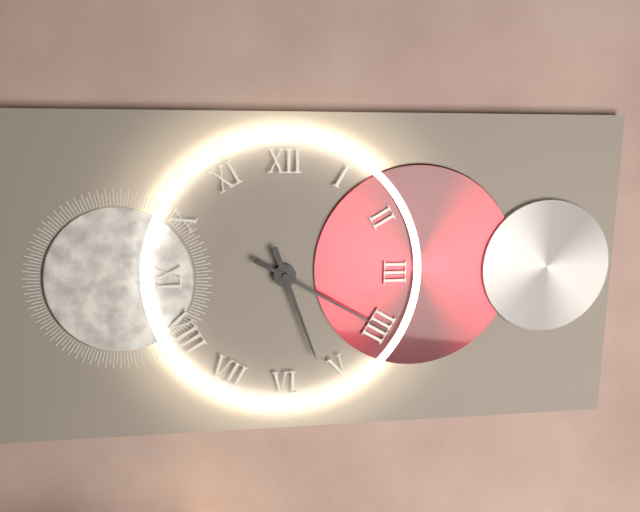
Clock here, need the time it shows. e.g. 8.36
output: 5.20
